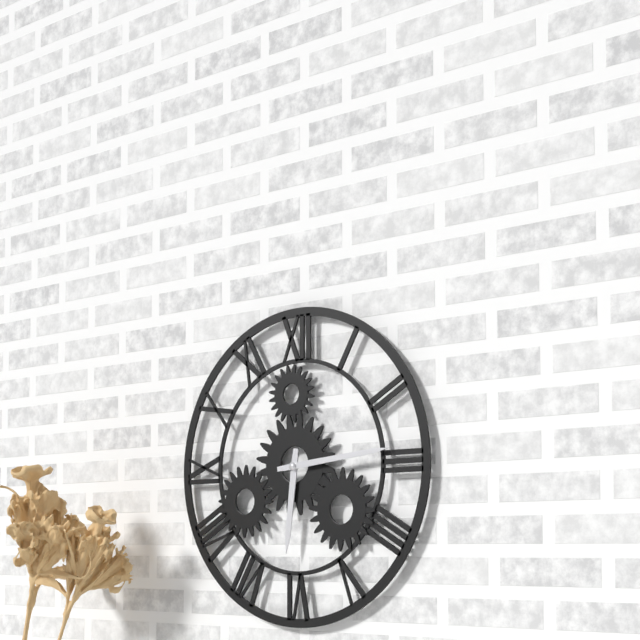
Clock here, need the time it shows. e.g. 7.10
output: 6.14
